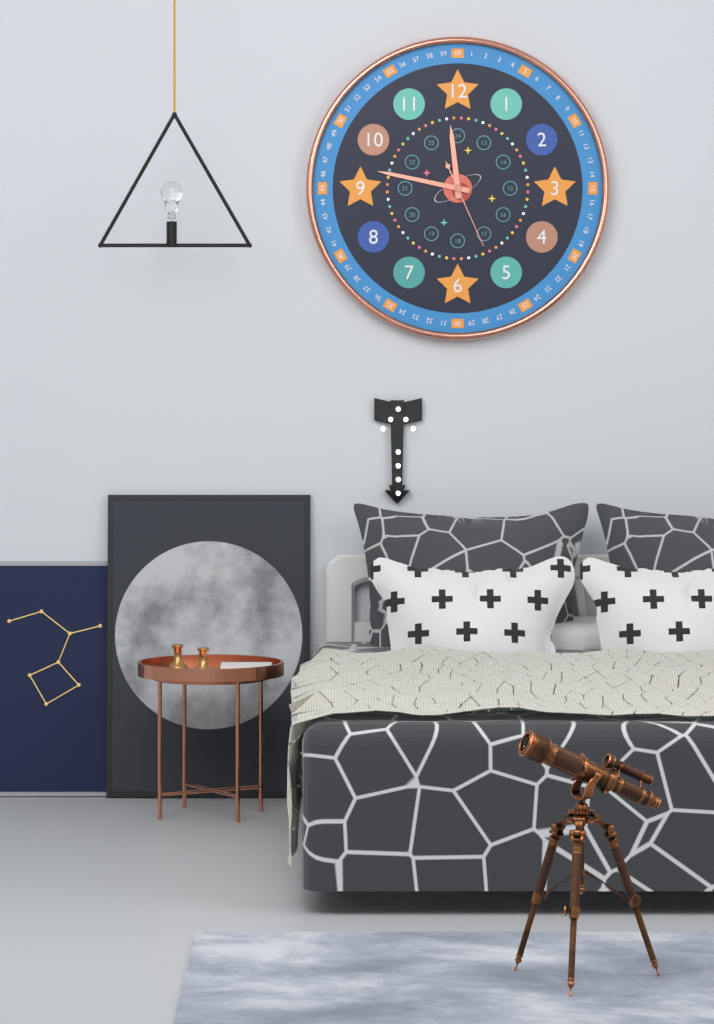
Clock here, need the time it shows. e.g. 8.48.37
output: 11.47.26
